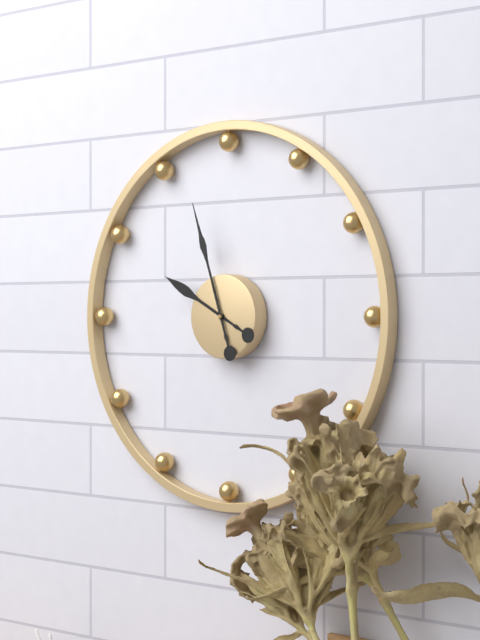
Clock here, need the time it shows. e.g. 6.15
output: 9.57
